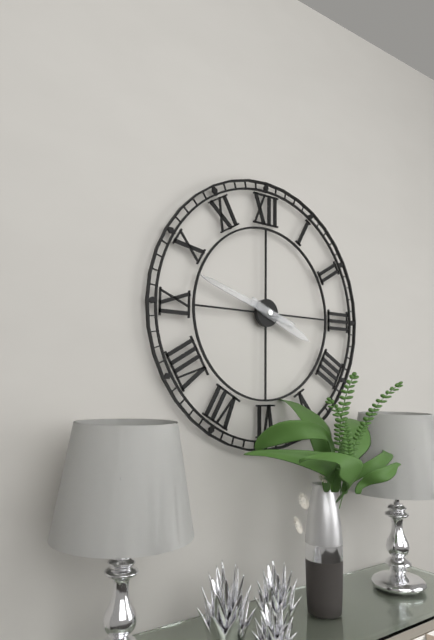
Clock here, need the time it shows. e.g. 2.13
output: 3.48
